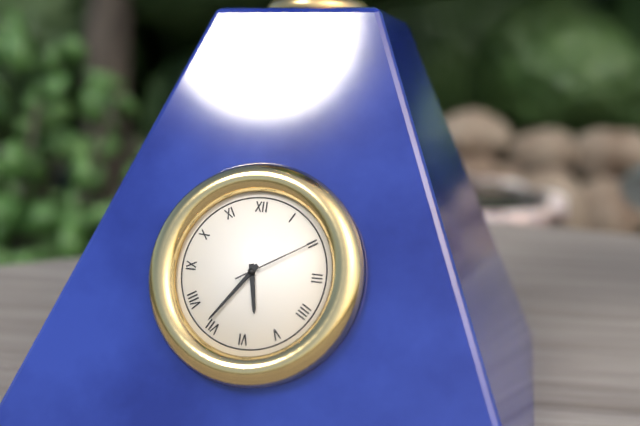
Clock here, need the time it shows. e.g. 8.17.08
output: 5.36.10
